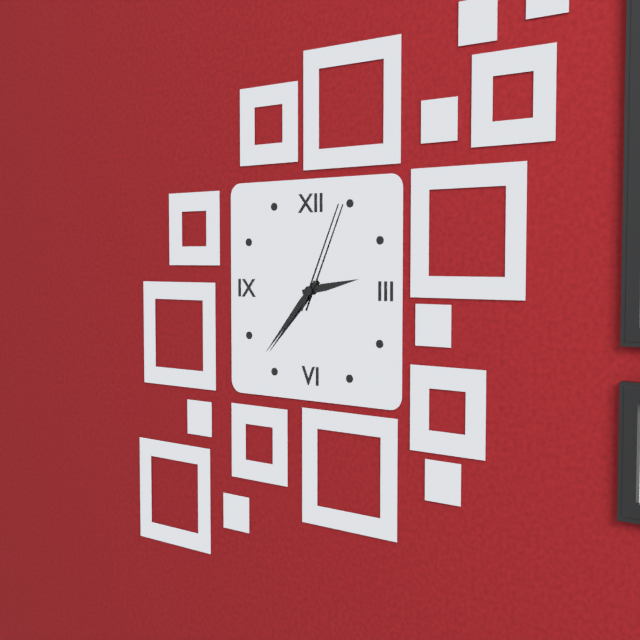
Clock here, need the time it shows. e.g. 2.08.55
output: 2.37.04
